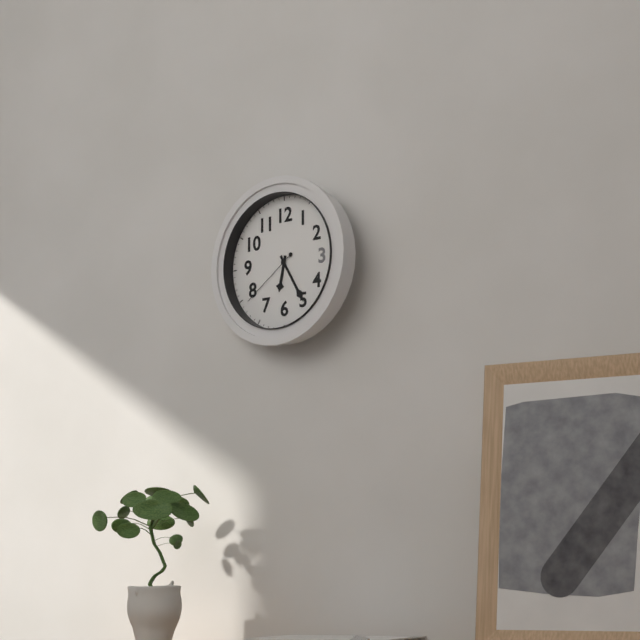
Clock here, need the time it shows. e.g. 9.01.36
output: 6.25.39
